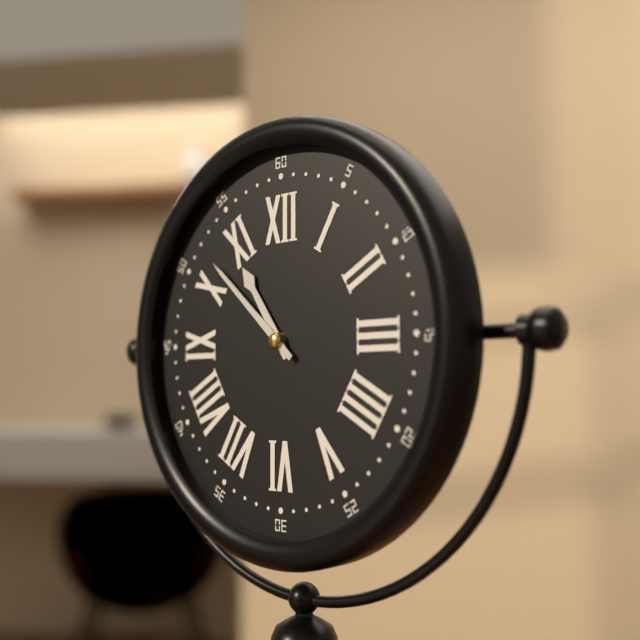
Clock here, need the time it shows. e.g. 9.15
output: 10.52
